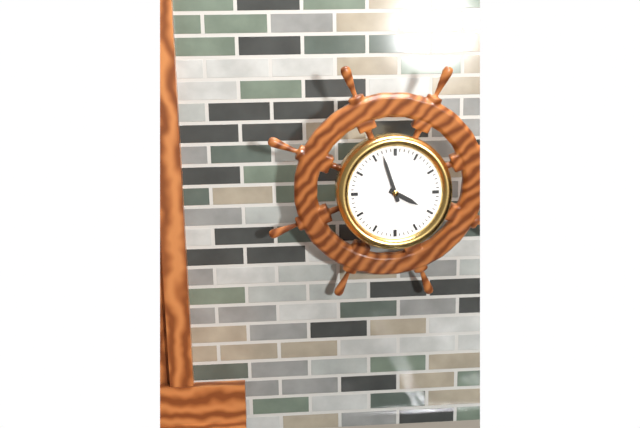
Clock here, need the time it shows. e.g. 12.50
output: 3.57
